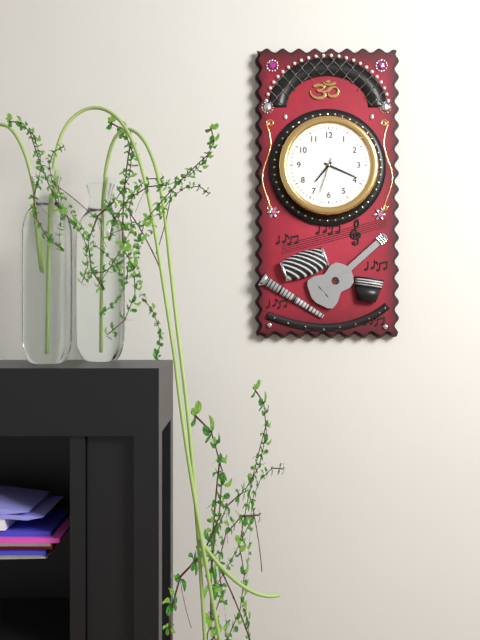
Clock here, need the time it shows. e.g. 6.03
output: 7.19
